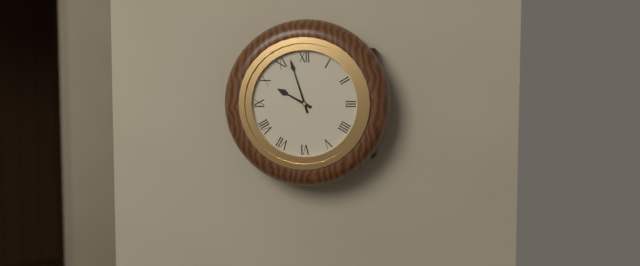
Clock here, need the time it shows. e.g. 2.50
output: 9.57
